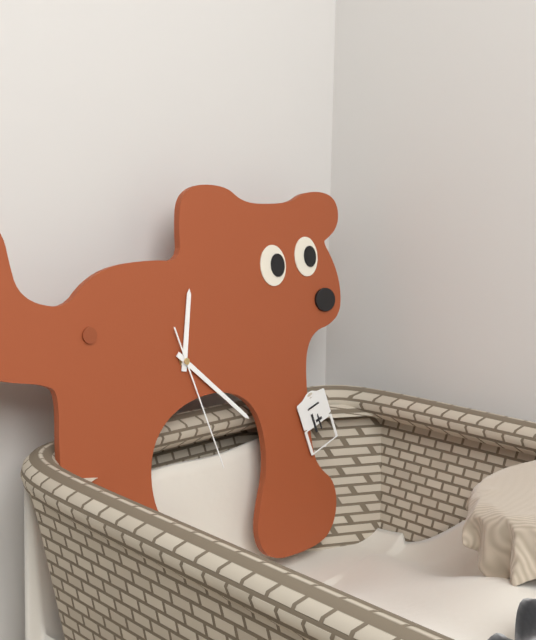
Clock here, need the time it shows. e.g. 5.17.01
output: 12.22.27
